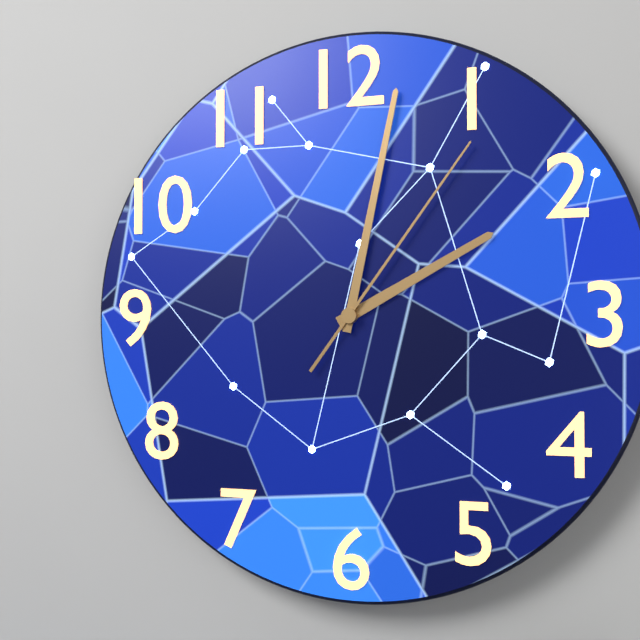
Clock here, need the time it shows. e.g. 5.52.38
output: 2.02.06
